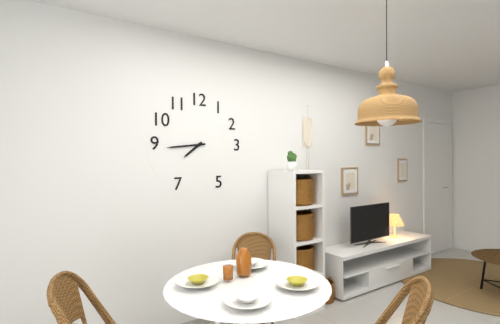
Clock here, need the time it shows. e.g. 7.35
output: 7.44
